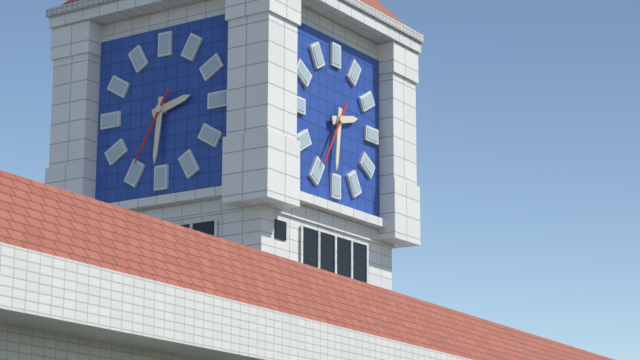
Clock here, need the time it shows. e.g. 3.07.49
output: 2.31.35
